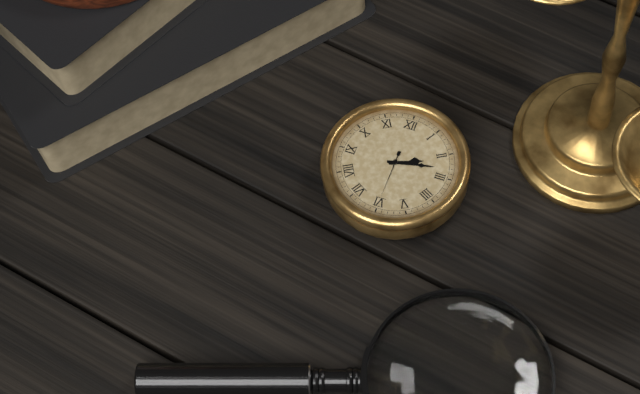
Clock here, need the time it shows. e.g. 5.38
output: 2.13
